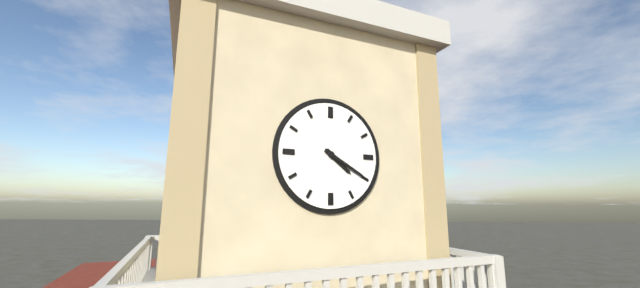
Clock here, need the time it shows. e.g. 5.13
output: 4.20
